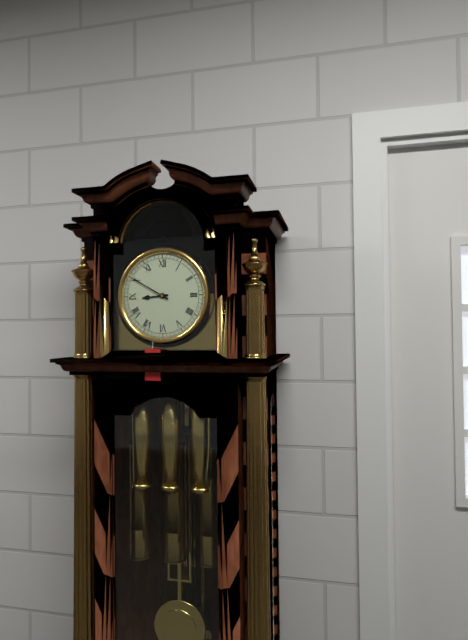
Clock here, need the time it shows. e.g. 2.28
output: 8.50
